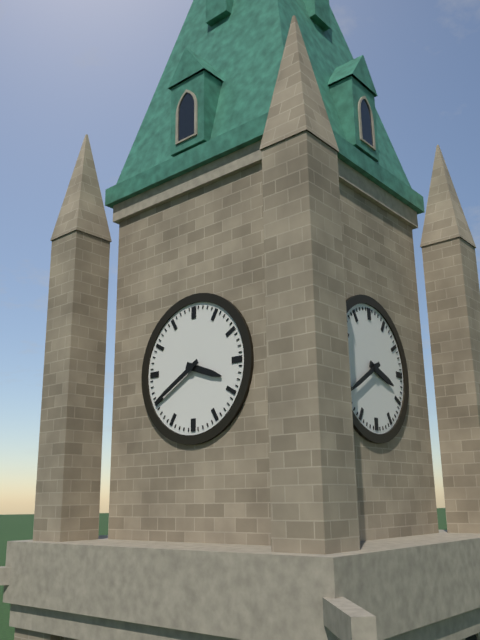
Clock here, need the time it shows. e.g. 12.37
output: 3.40
